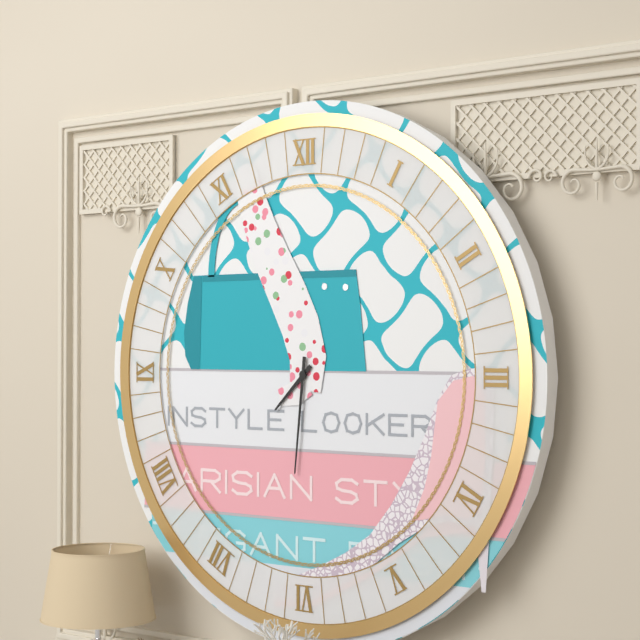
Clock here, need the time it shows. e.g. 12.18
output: 7.31
